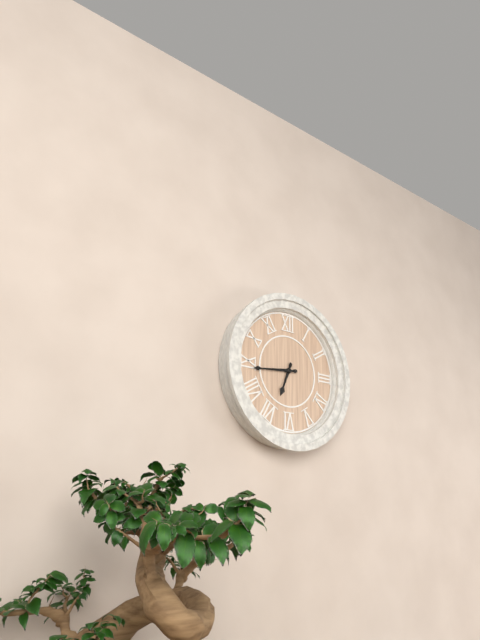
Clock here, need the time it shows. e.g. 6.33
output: 6.44
